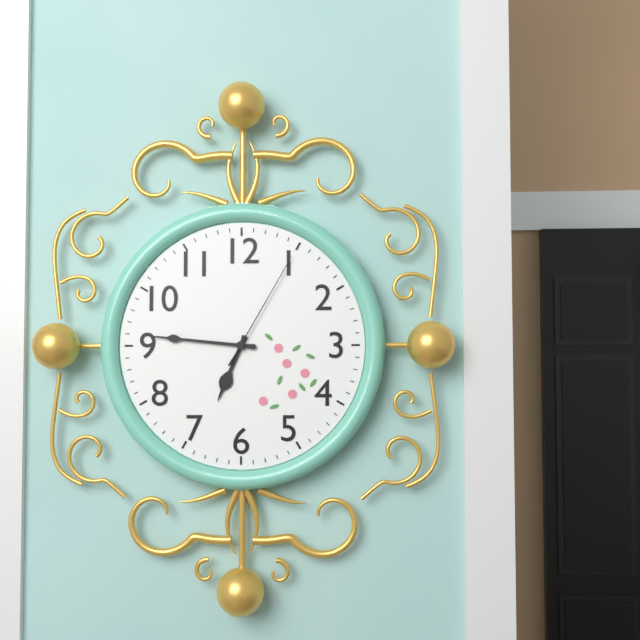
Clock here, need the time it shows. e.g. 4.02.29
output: 6.46.05
